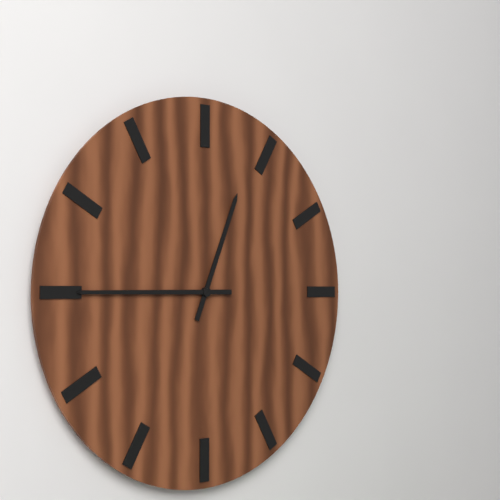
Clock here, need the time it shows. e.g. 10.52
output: 12.45
